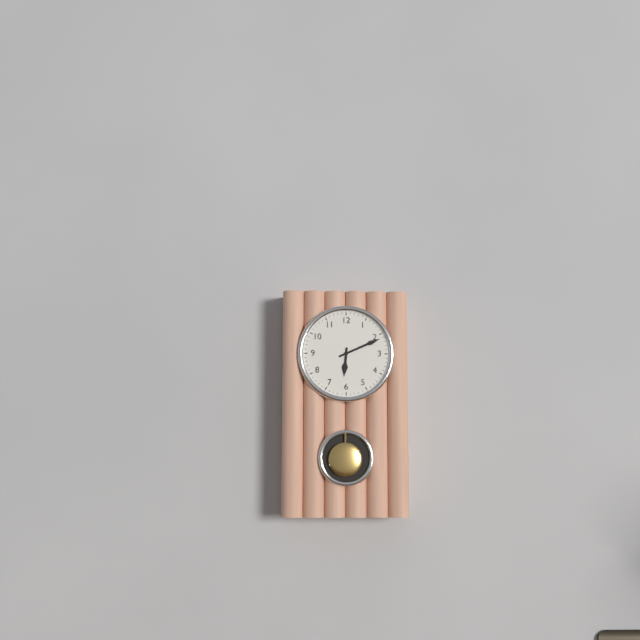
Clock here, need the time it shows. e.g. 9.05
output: 6.11
